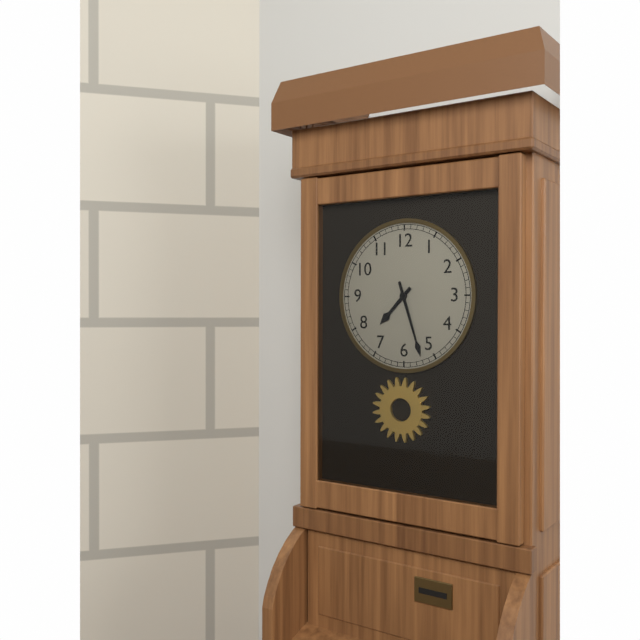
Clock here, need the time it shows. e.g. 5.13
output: 7.27
